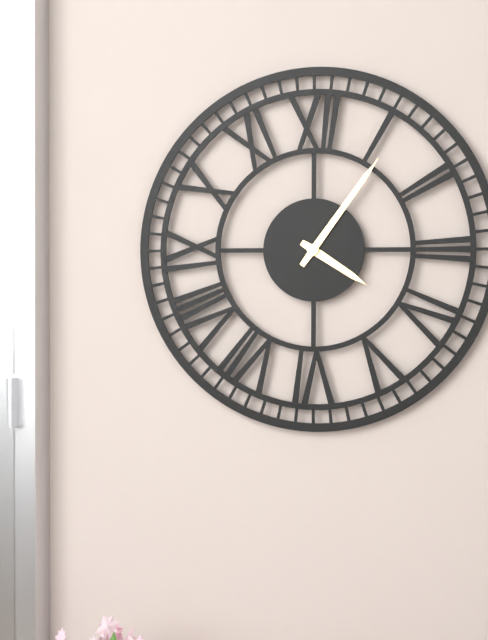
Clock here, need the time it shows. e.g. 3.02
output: 4.06
